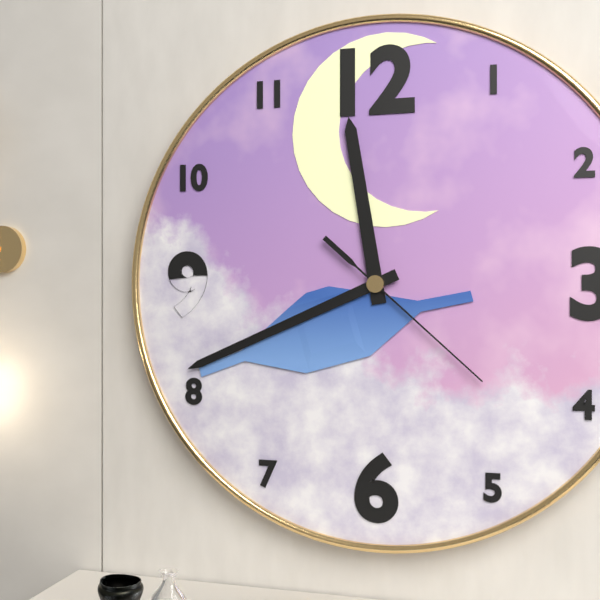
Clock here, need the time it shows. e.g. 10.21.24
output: 11.41.22
